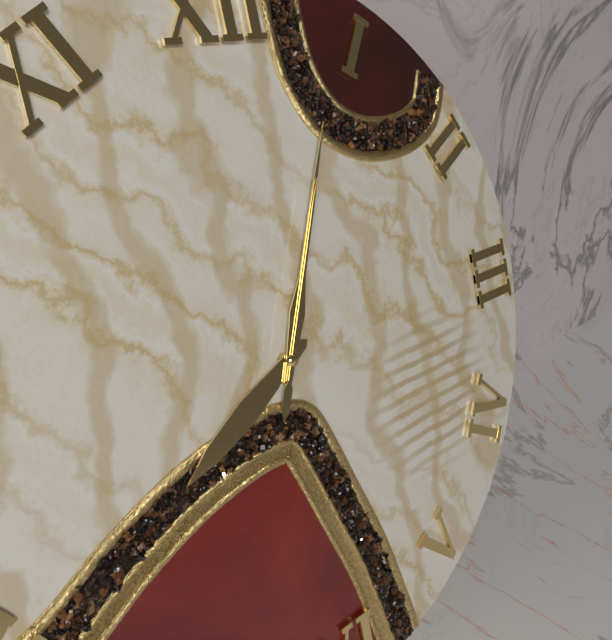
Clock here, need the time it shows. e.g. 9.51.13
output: 8.04.04
